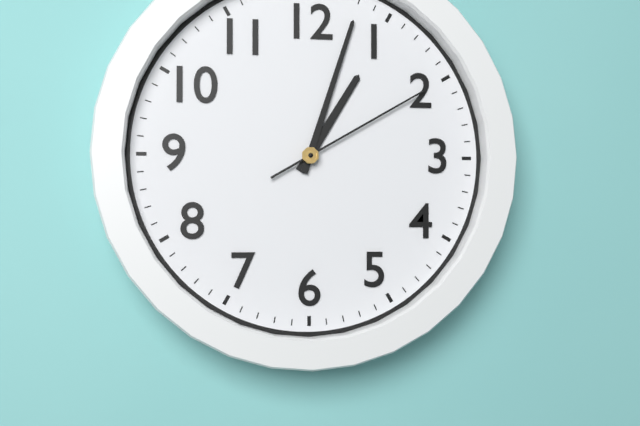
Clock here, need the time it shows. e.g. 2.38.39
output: 1.03.10
